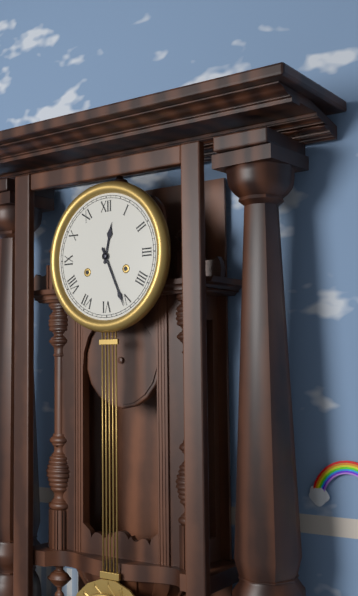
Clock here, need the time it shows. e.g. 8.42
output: 12.26
